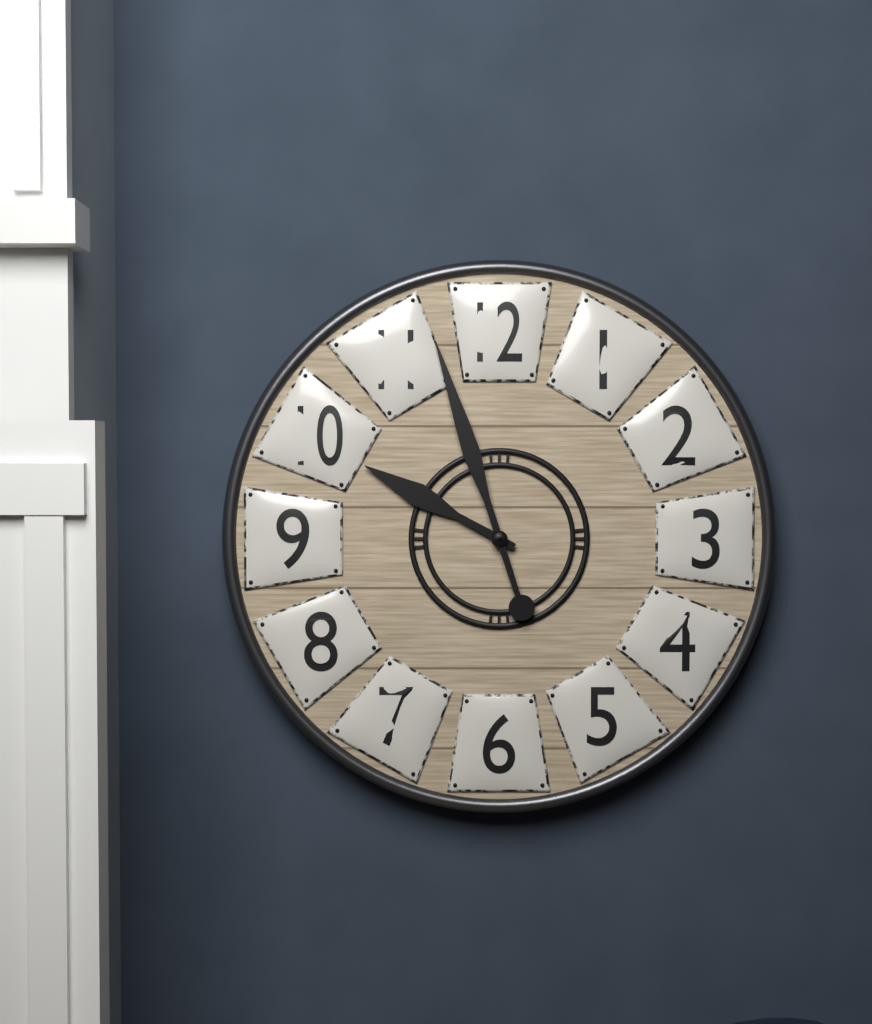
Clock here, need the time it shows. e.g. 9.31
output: 9.57
